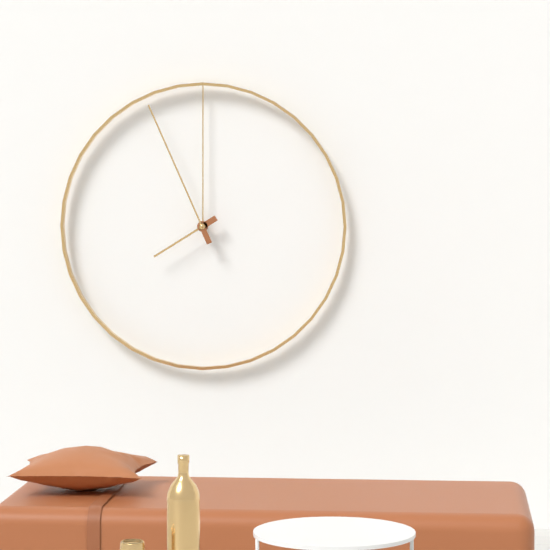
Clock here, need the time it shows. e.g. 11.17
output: 7.56
